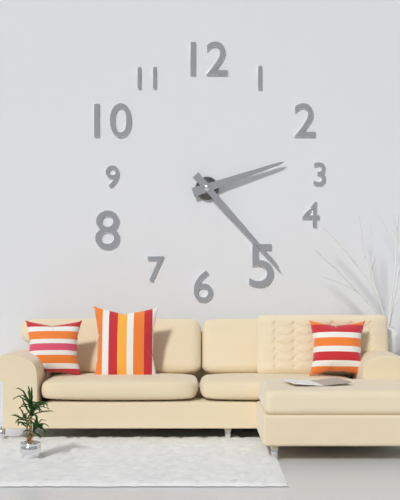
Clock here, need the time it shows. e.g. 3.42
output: 2.23
